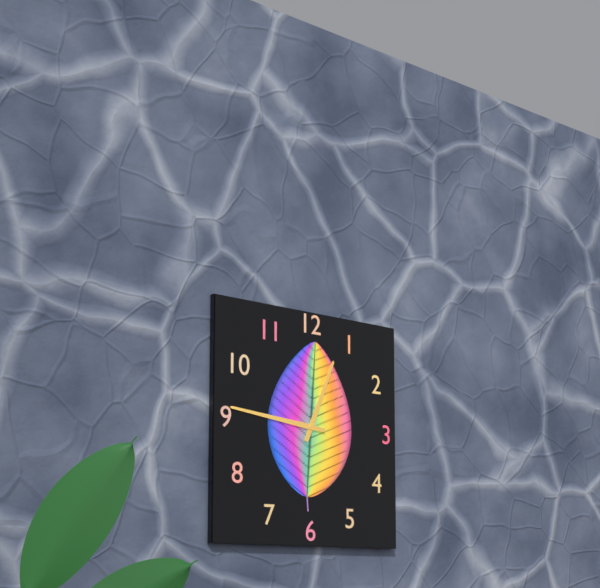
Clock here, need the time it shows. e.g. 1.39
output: 12.46
